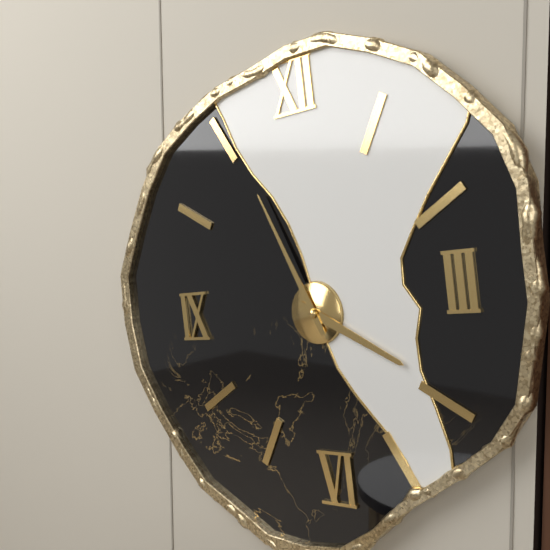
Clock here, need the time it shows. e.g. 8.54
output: 3.56
